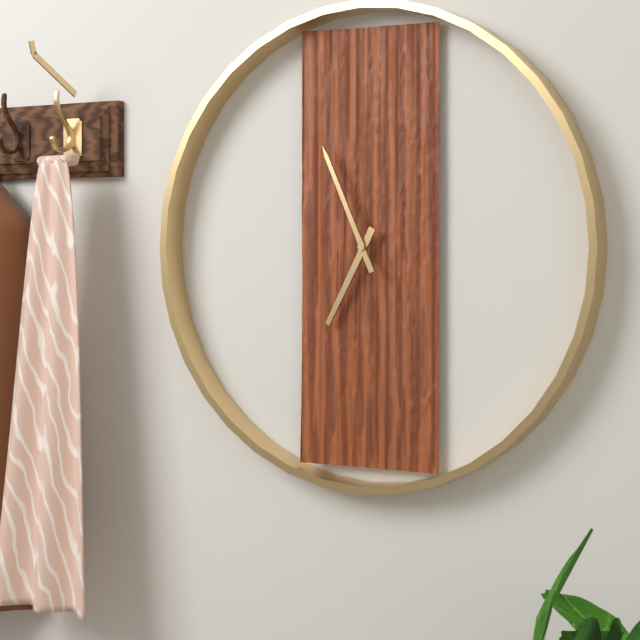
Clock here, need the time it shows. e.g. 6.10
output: 6.56
